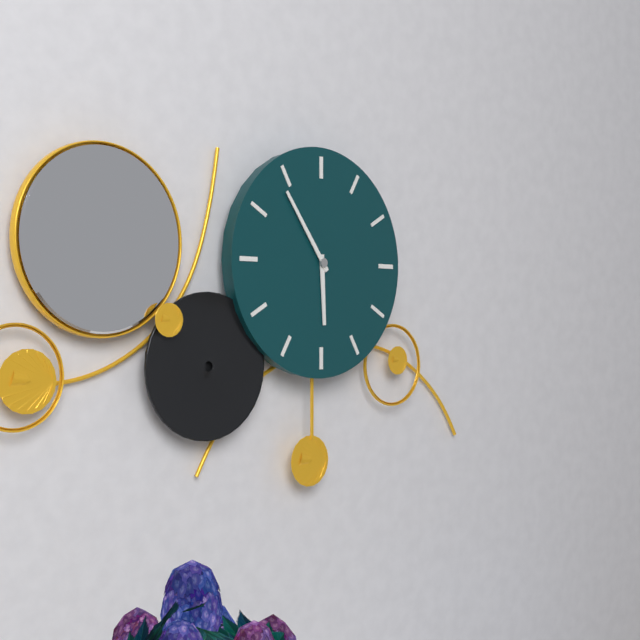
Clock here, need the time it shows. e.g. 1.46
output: 5.54
